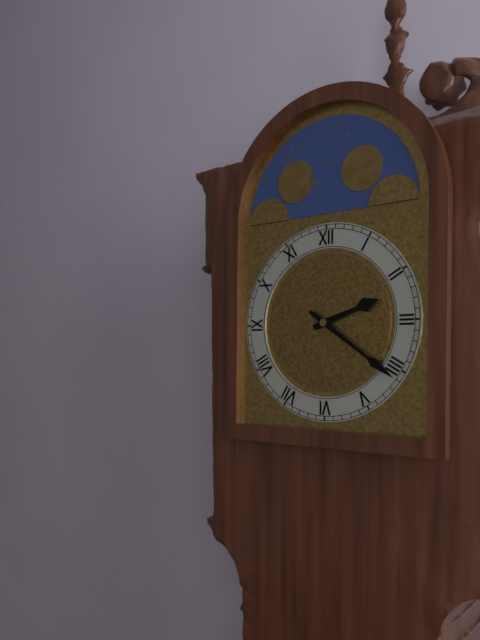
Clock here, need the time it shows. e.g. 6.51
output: 2.21
